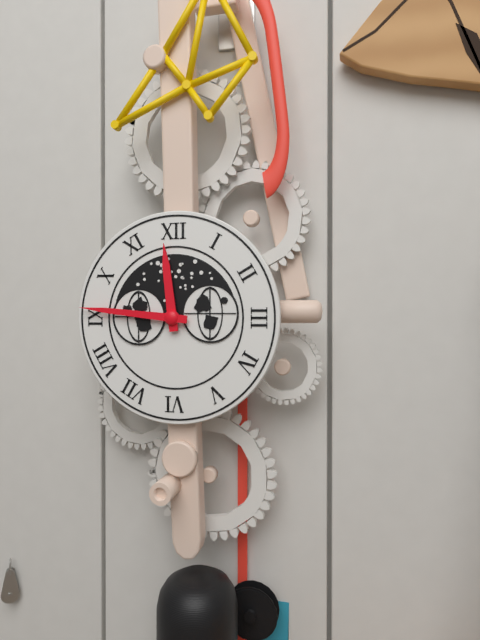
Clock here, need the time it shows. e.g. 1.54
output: 11.46
